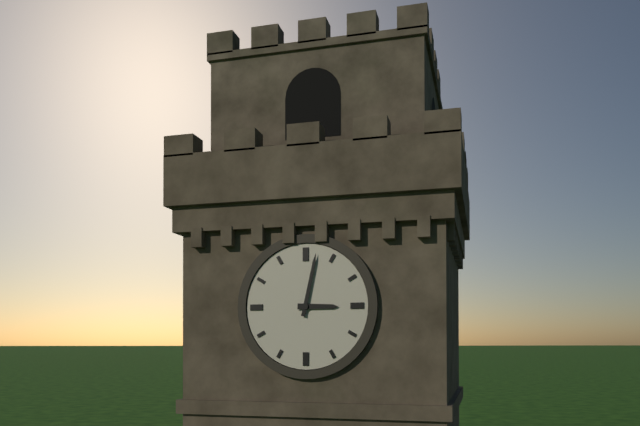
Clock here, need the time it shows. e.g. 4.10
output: 3.02
